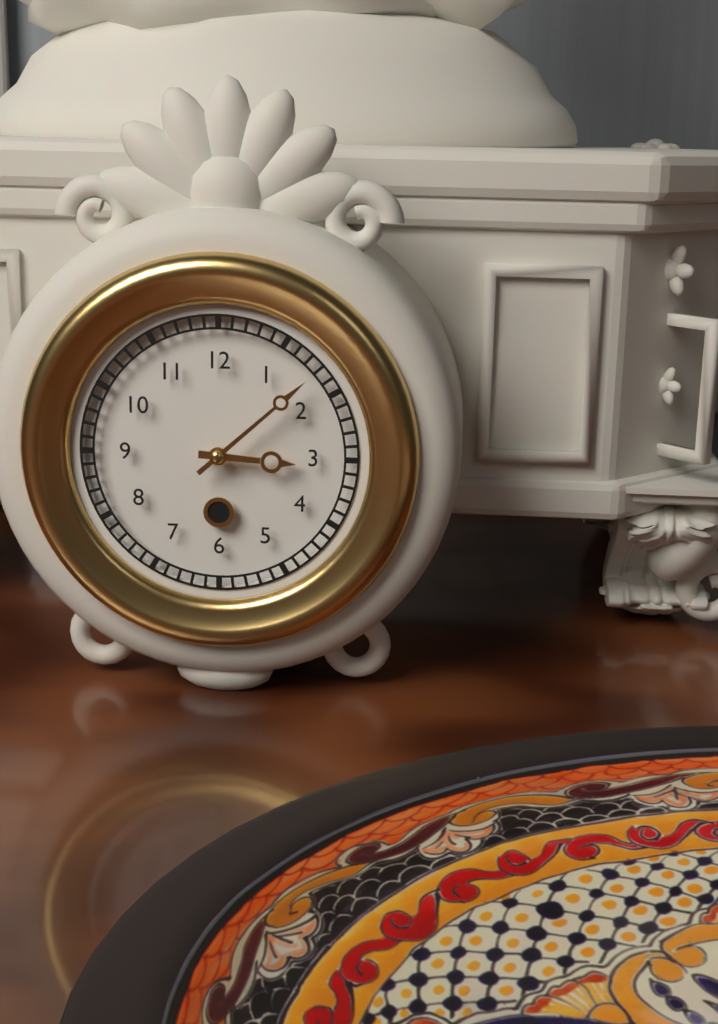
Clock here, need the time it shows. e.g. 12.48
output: 3.08
